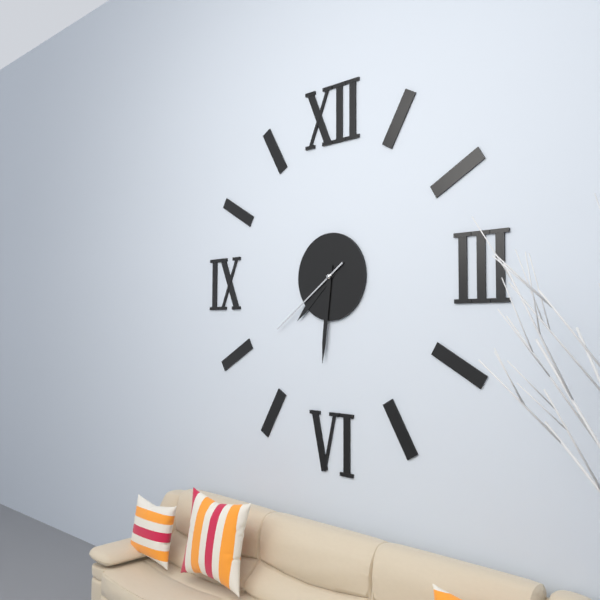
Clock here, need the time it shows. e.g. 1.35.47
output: 7.31.39
